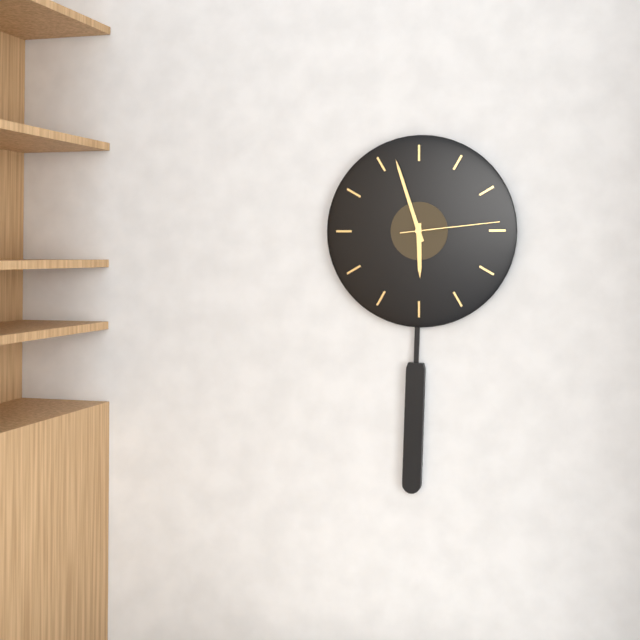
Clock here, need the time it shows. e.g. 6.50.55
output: 5.57.14
